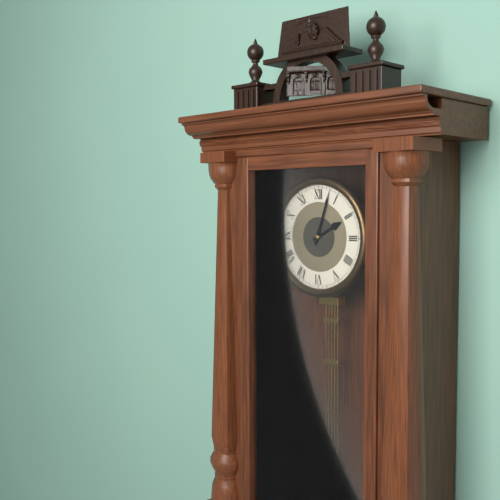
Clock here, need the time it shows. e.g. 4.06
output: 2.03
